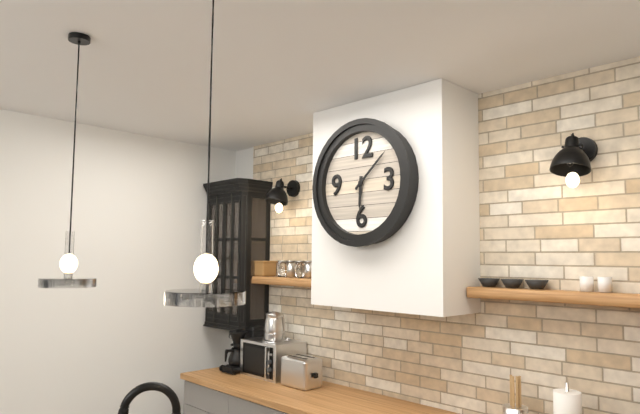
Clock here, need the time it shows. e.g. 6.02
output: 6.08
